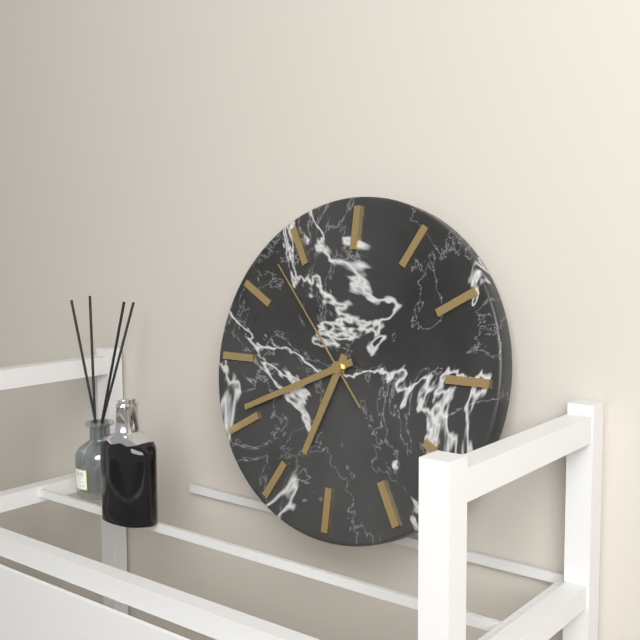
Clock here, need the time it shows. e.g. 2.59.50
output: 6.41.53
